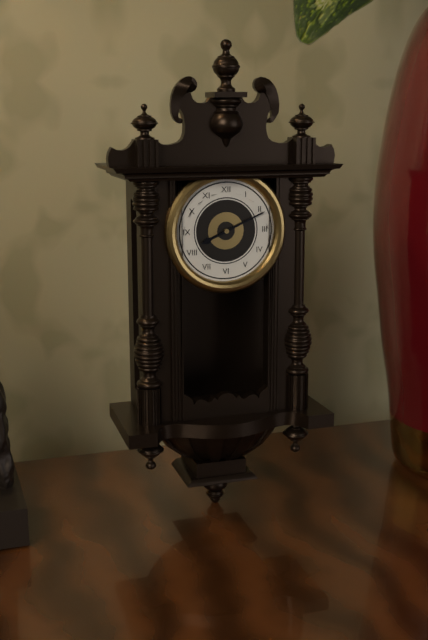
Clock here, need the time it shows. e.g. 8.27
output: 8.11
